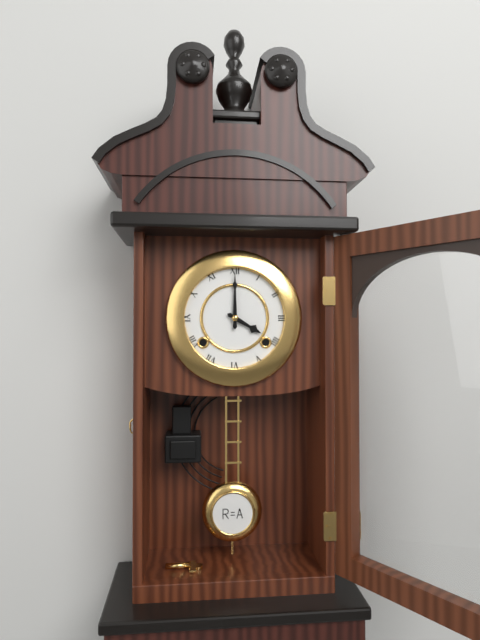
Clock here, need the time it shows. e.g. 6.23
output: 4.00
